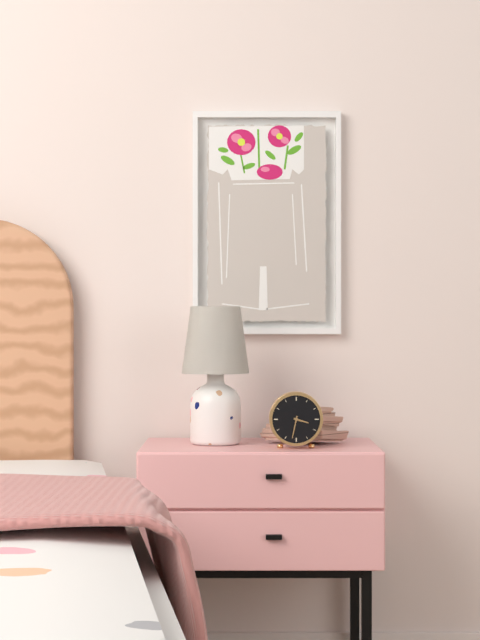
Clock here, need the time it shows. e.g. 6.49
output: 3.32
